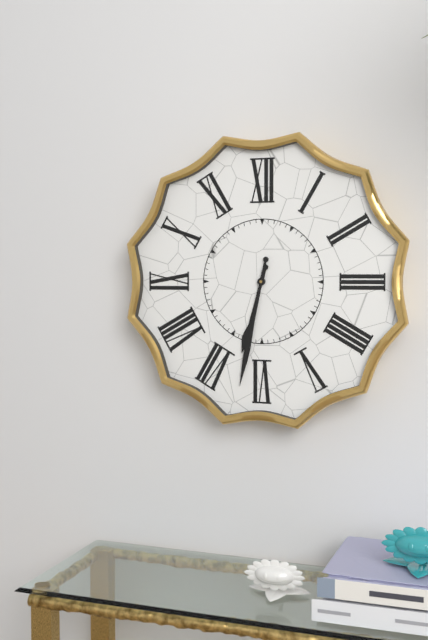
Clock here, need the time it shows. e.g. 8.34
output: 6.32
